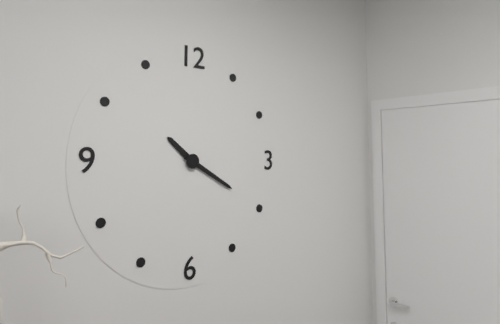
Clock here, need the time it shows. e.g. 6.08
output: 10.20
